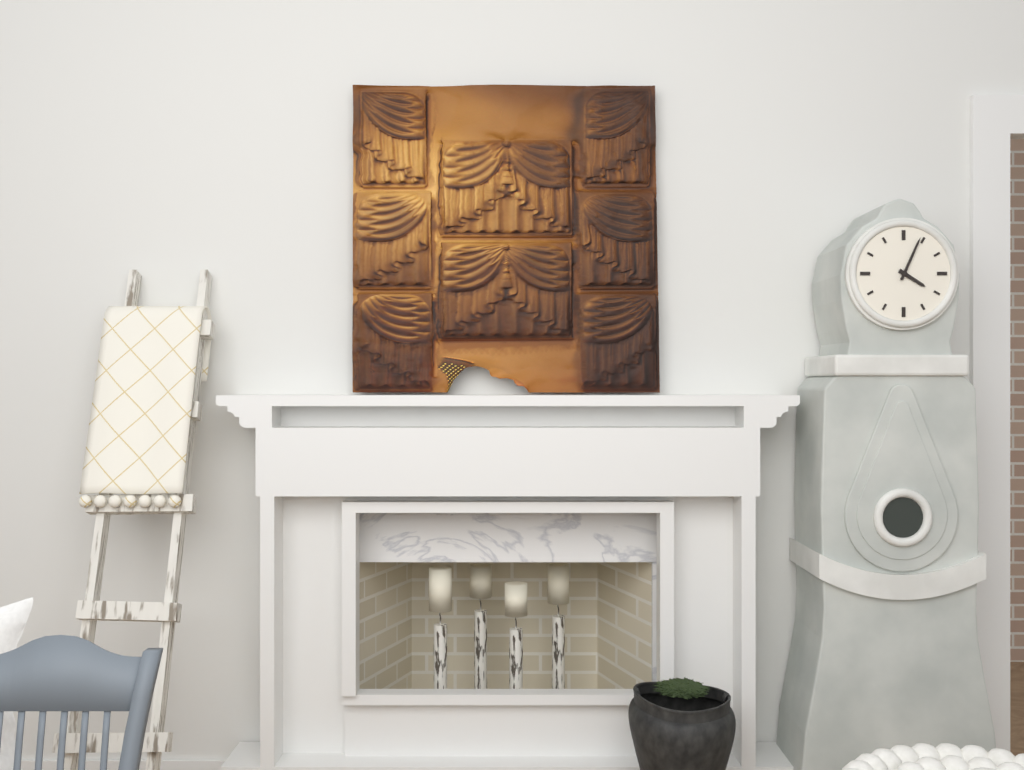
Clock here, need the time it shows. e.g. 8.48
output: 4.04
